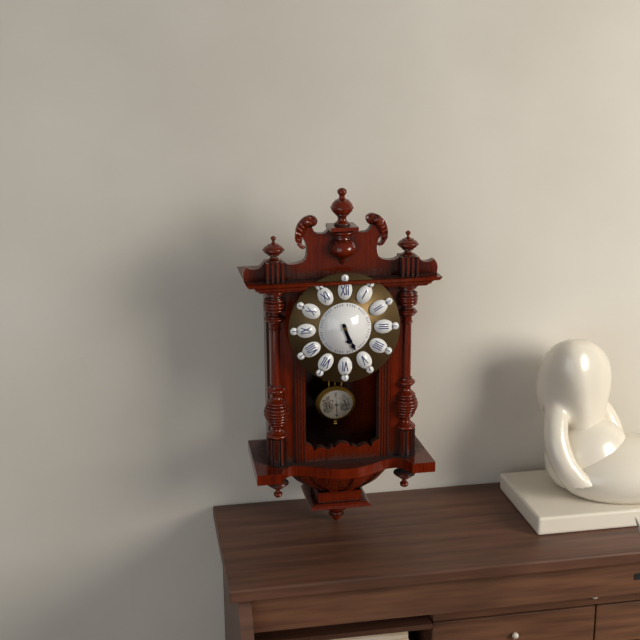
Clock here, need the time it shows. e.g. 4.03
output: 5.26
